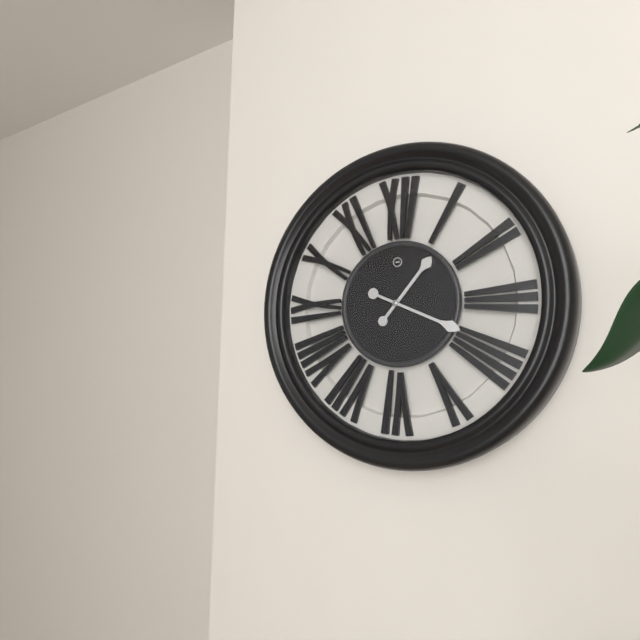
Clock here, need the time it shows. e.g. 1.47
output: 1.19
